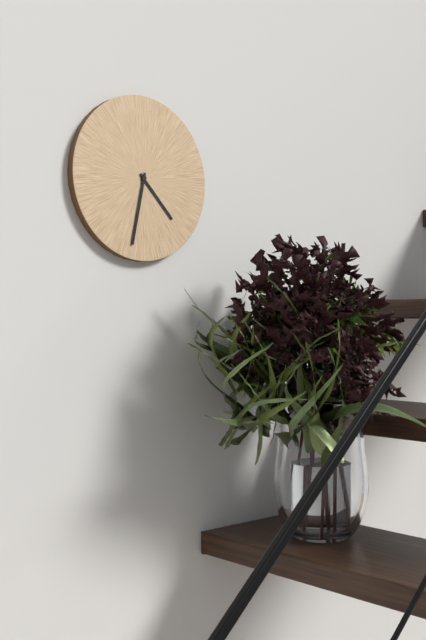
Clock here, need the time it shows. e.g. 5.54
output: 4.32
